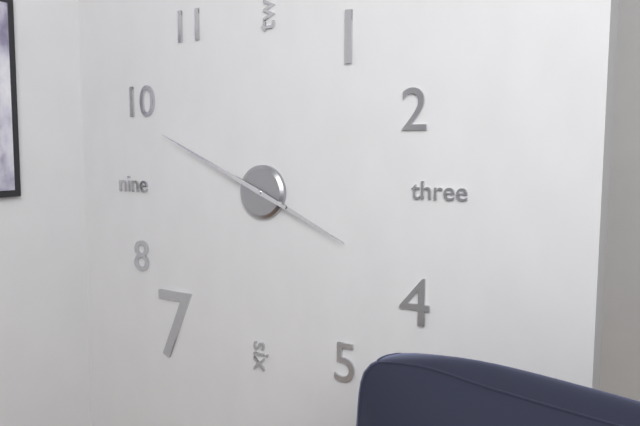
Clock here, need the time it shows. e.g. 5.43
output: 3.49
